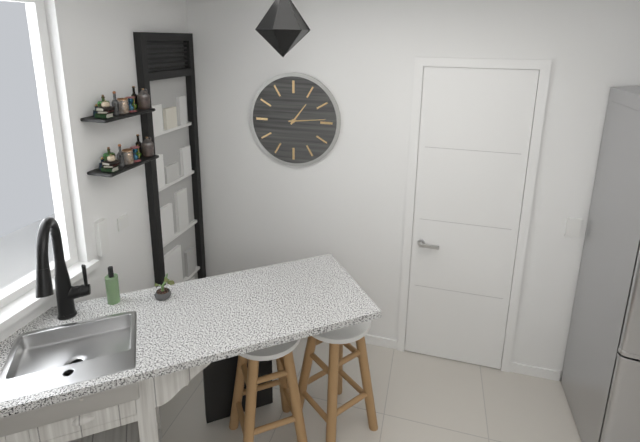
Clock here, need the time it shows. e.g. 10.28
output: 1.14
